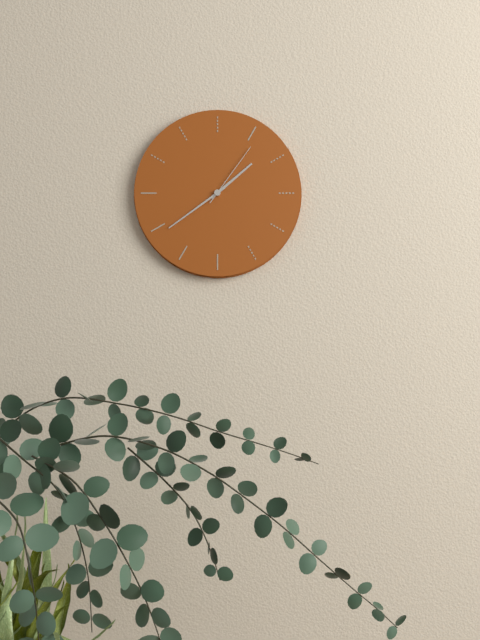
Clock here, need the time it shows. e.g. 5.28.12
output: 1.39.06
